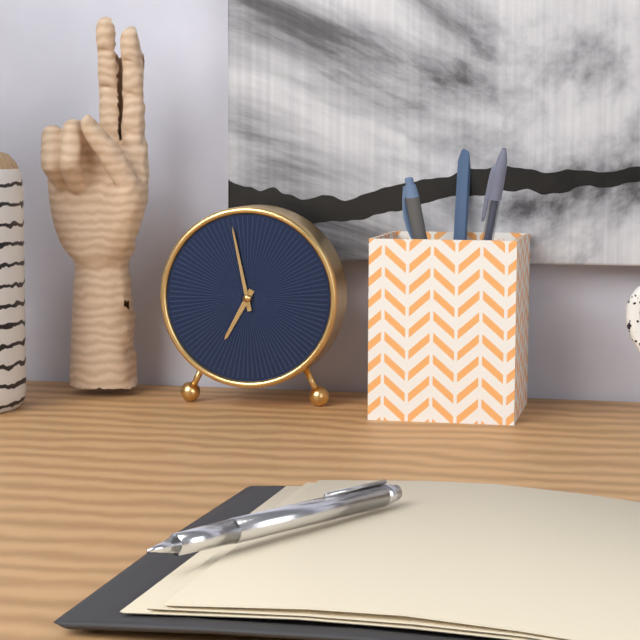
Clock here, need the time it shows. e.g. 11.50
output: 6.58
